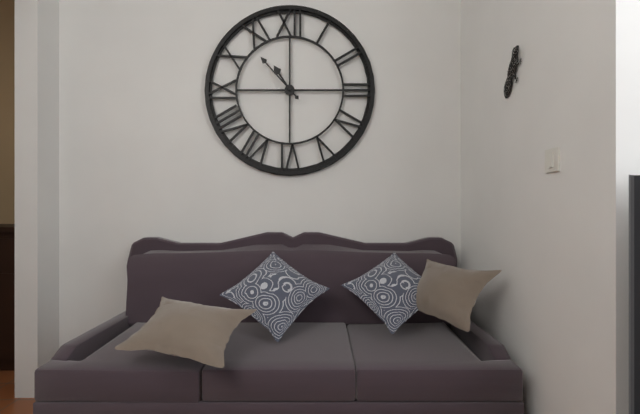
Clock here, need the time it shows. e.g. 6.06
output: 10.53
